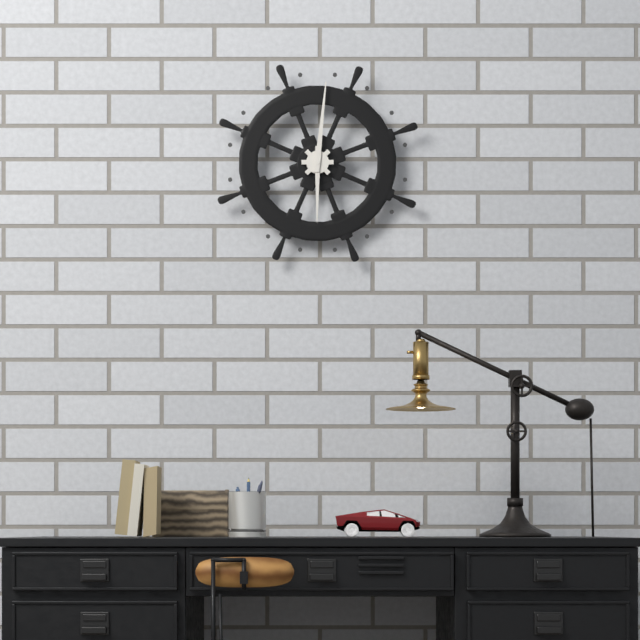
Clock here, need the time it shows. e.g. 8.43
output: 6.01
